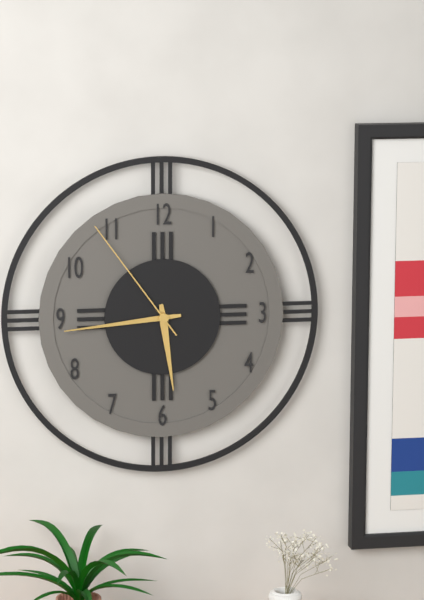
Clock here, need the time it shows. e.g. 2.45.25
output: 5.44.54
